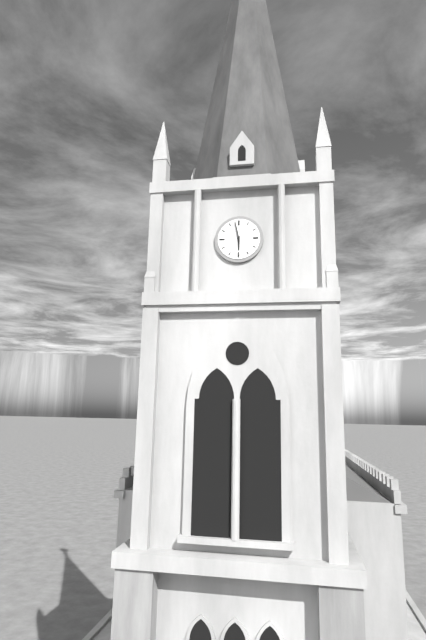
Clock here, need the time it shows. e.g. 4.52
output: 5.58
